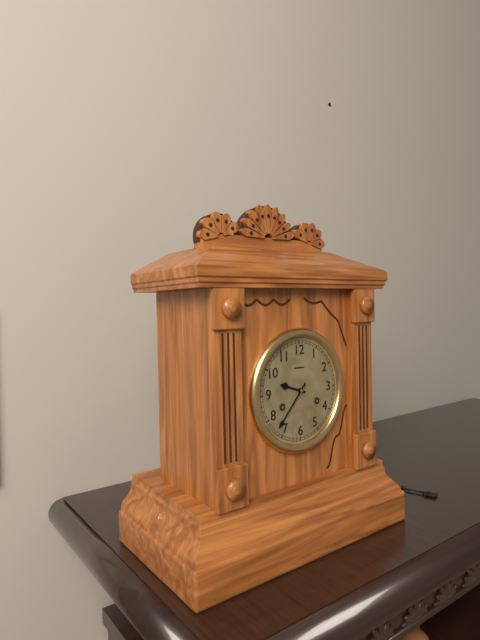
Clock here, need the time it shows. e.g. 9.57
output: 9.37
